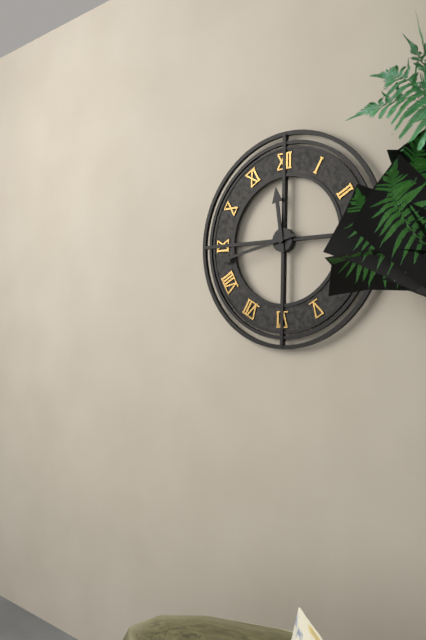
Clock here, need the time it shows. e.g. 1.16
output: 11.43
